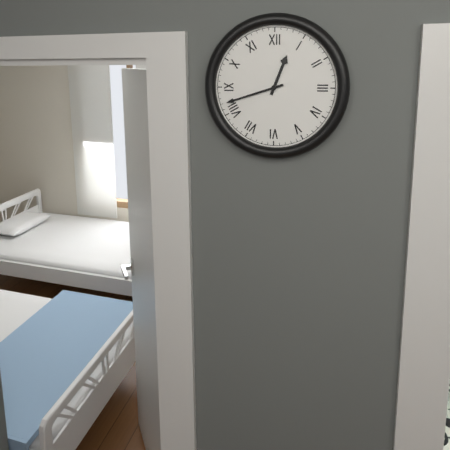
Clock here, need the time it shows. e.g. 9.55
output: 12.42
